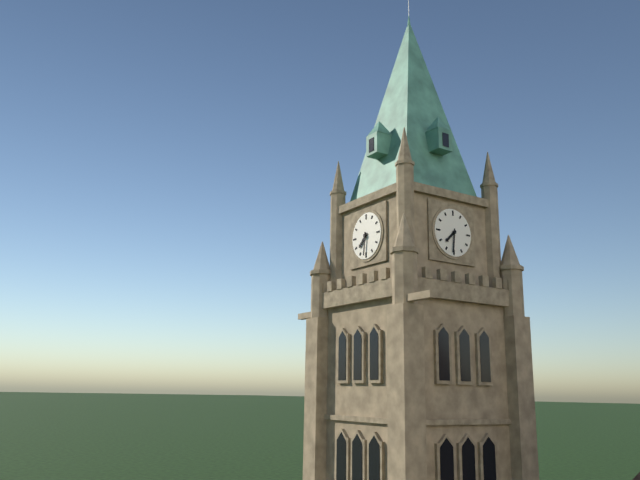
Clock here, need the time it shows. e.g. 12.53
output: 7.31
